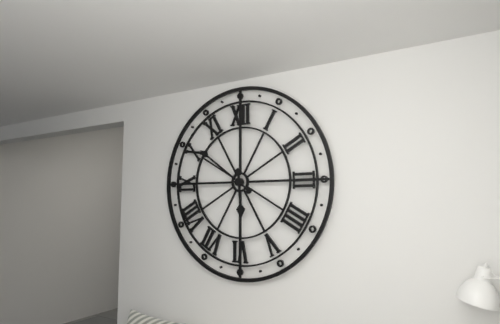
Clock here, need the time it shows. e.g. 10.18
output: 5.51
